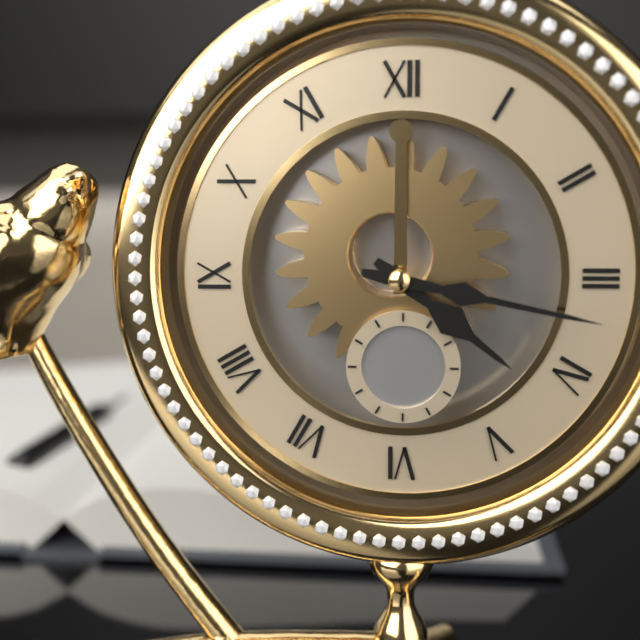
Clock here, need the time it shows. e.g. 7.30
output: 4.17
